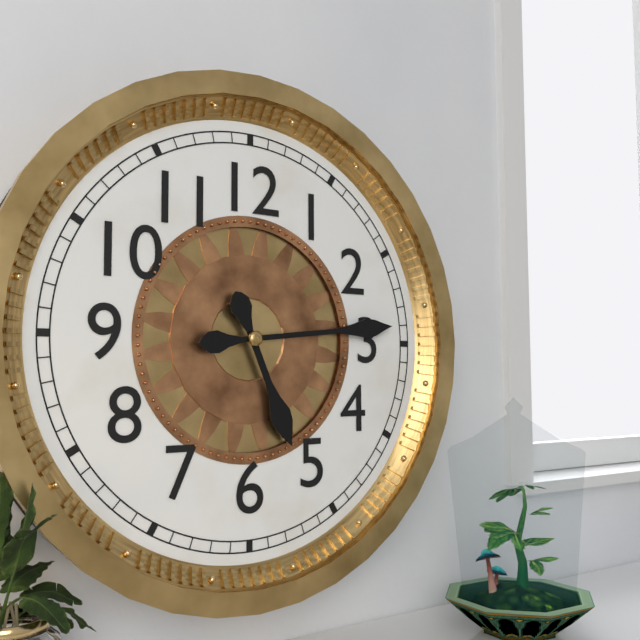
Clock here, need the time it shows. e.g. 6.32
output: 5.14
